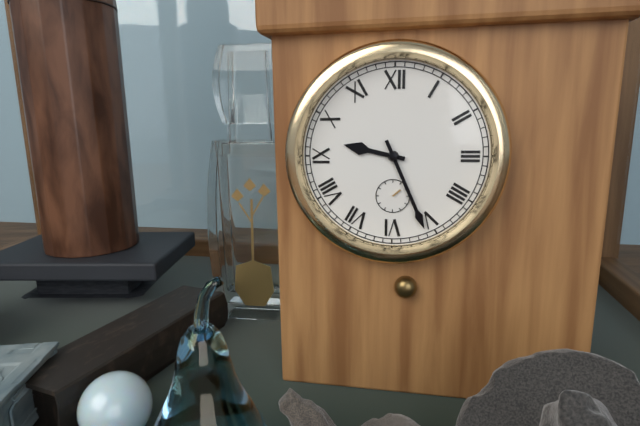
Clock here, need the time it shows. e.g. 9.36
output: 9.26
